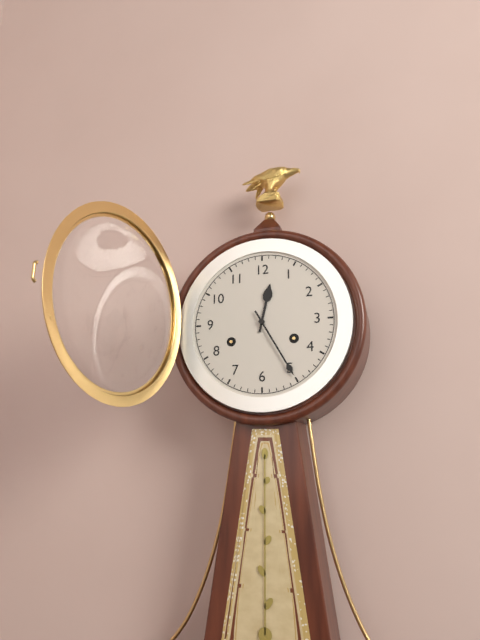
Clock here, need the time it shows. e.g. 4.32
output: 12.25
